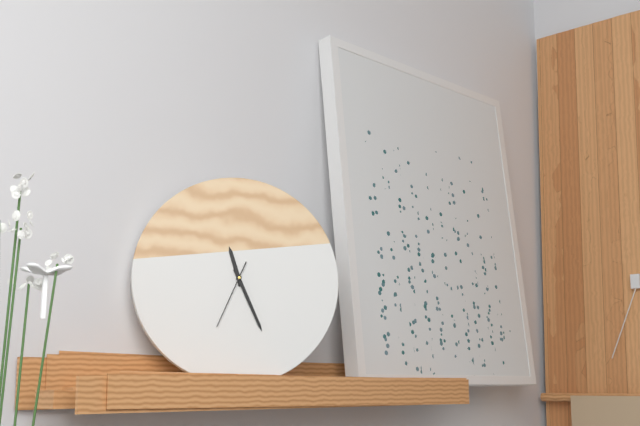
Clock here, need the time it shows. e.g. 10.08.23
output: 11.26.34
